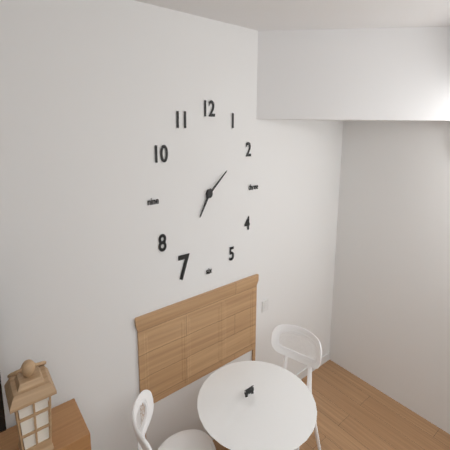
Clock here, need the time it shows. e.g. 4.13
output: 7.09
